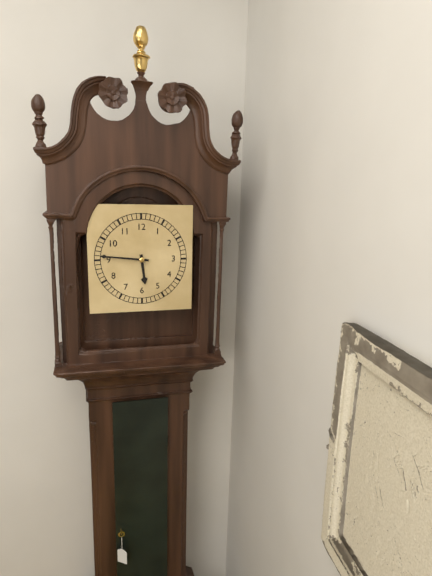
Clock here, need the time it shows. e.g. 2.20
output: 5.46
